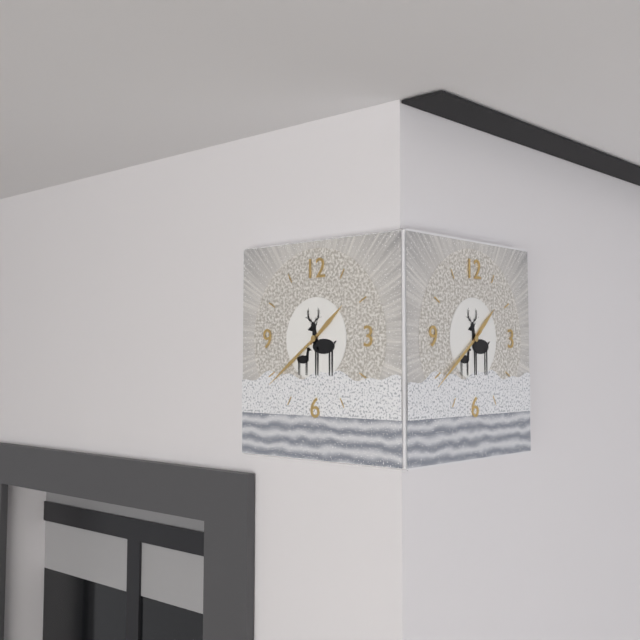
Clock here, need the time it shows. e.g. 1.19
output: 1.39
